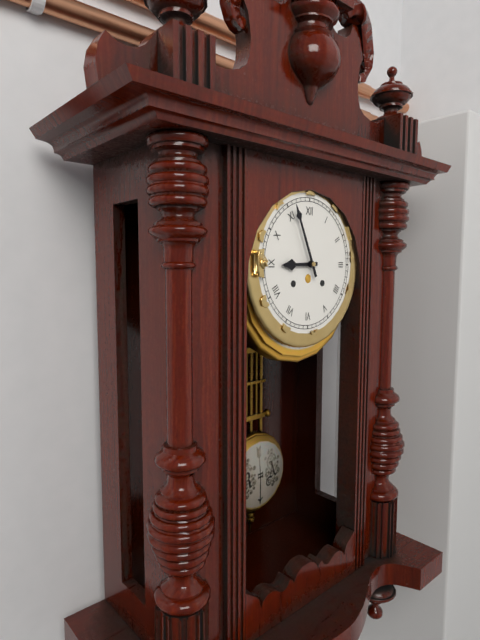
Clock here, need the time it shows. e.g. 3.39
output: 8.56
